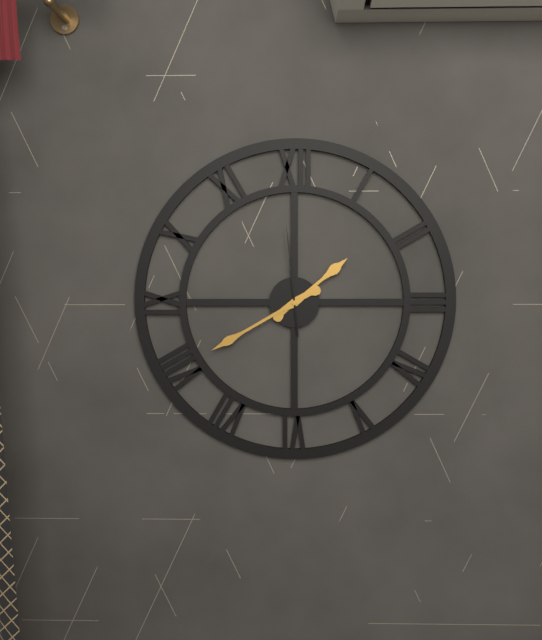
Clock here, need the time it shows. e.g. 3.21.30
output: 1.40.59
